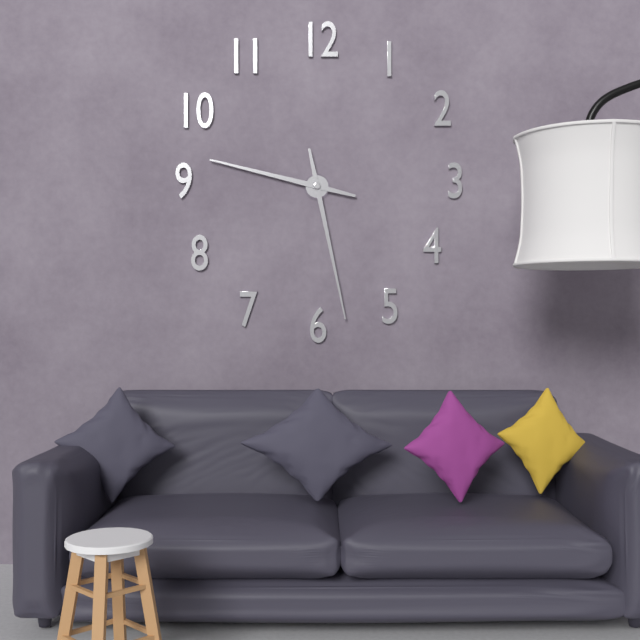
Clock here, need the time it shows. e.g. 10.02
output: 9.28
